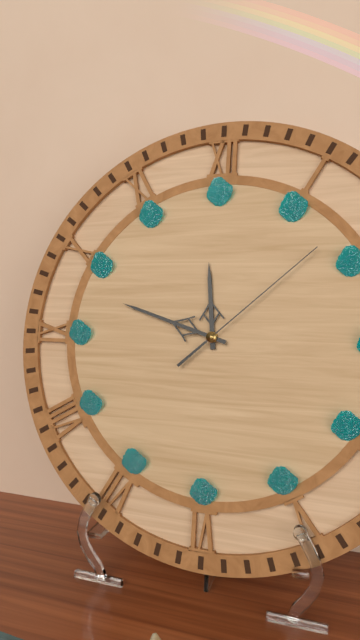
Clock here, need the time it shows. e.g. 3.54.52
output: 11.48.08
